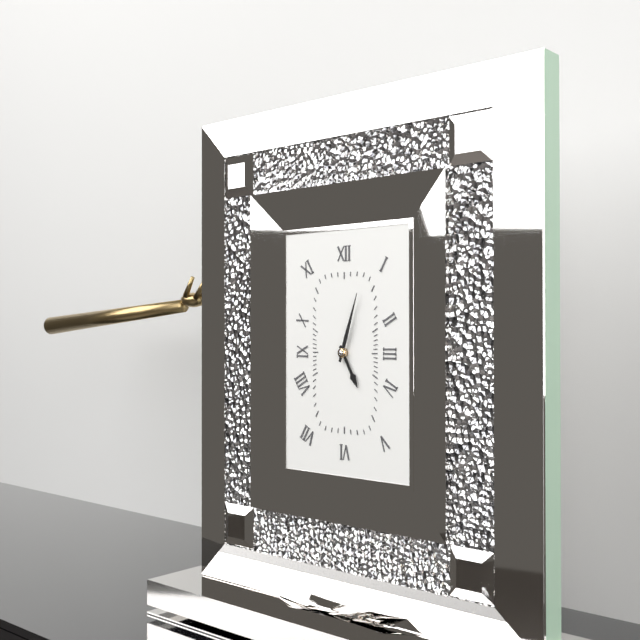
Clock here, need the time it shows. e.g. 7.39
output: 5.03
